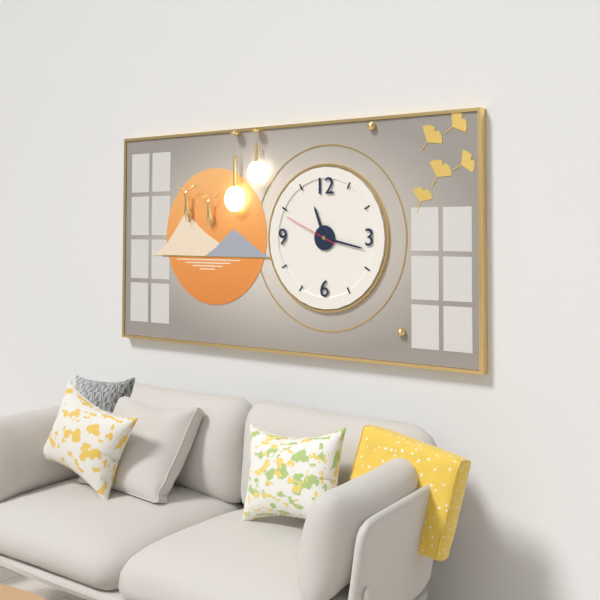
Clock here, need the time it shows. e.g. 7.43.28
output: 11.17.49
